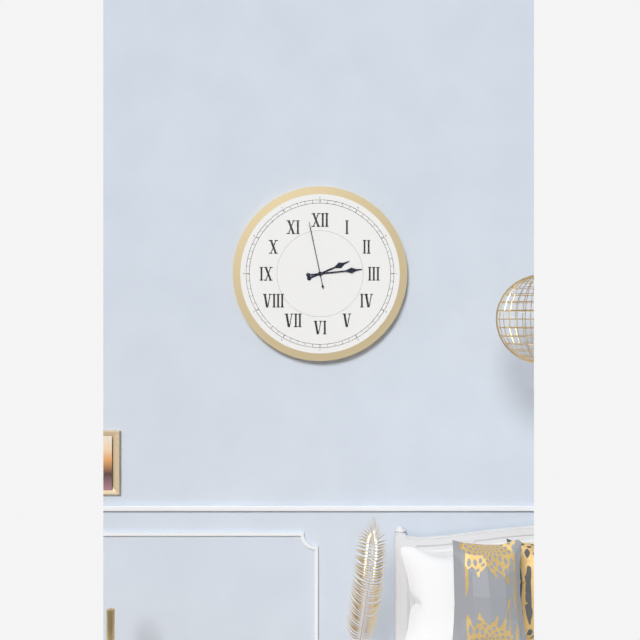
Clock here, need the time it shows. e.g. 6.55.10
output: 2.14.58
